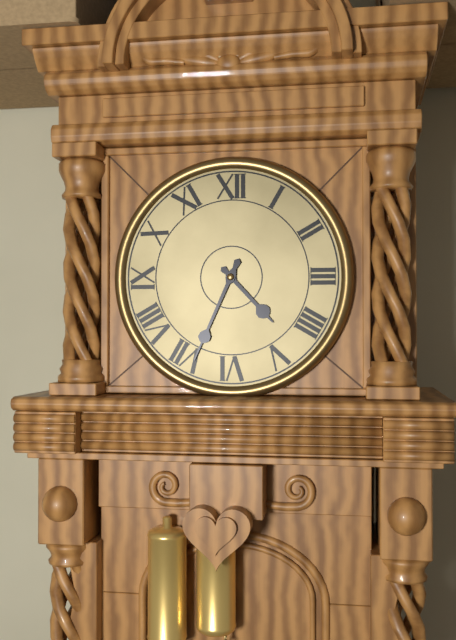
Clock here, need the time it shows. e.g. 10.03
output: 4.34
